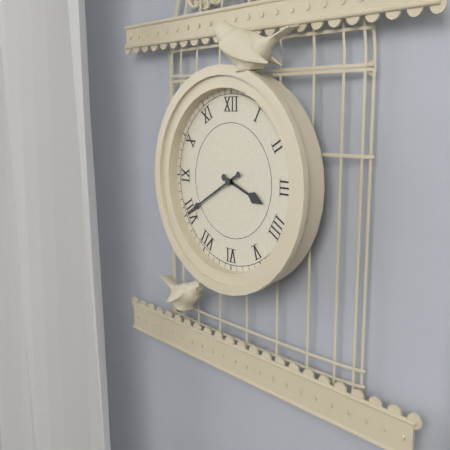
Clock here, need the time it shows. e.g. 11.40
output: 3.40
